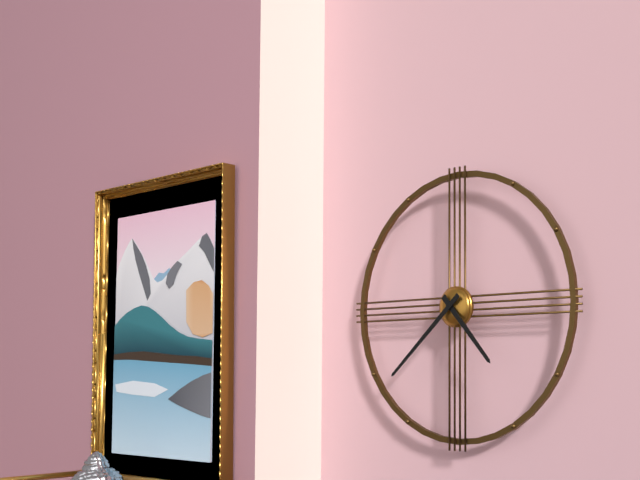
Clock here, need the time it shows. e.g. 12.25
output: 4.38
